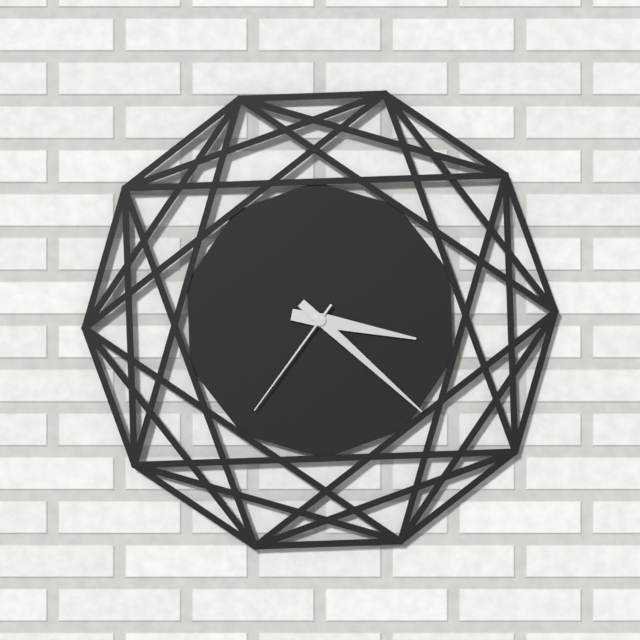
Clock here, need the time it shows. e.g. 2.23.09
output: 3.22.36
